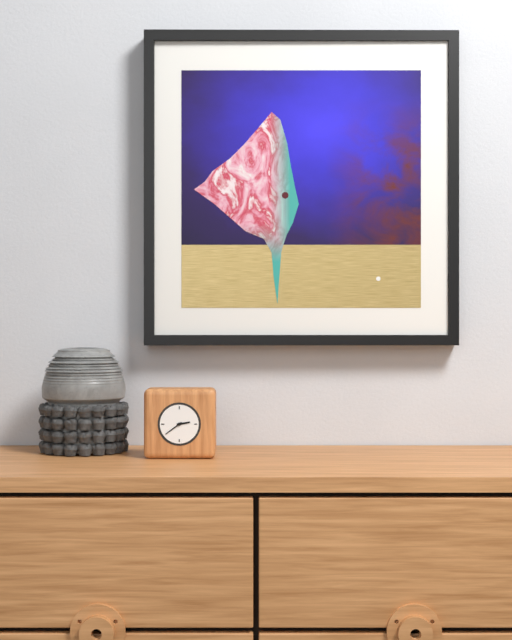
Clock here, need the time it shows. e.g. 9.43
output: 2.39
